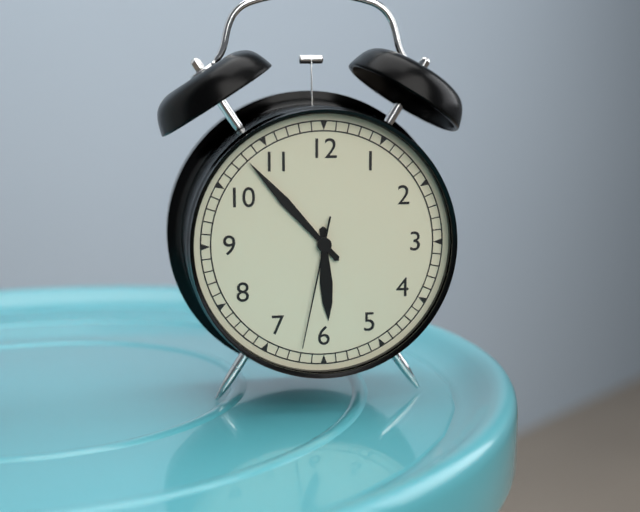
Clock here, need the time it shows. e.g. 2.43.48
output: 5.53.32
